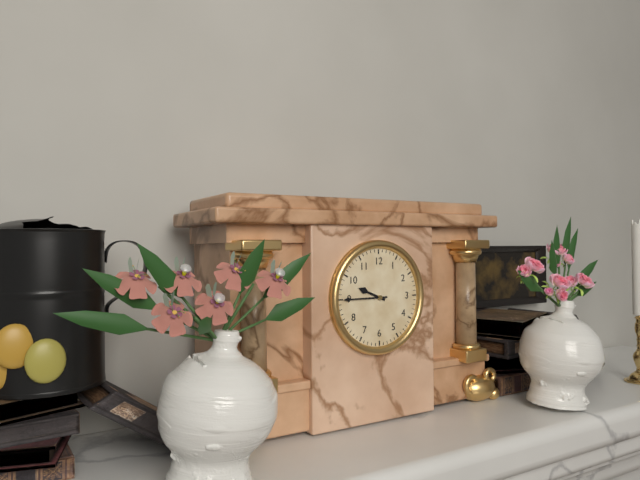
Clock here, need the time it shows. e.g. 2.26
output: 9.45
